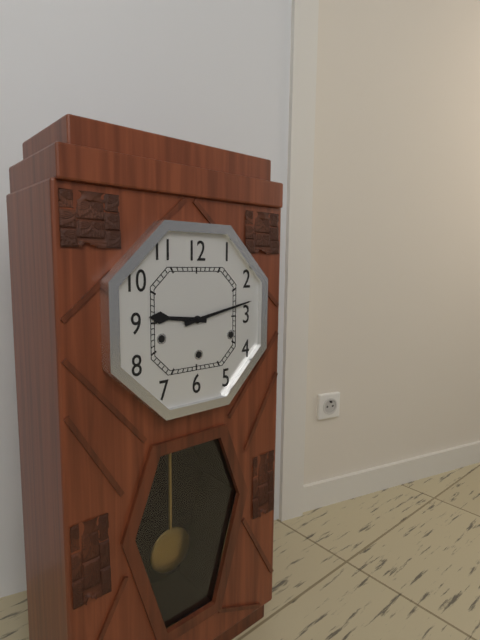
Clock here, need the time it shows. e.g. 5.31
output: 9.13
